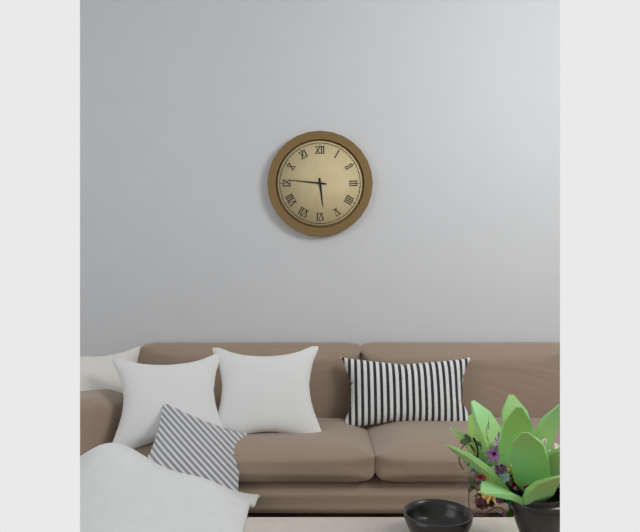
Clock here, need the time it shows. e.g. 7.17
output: 5.46
